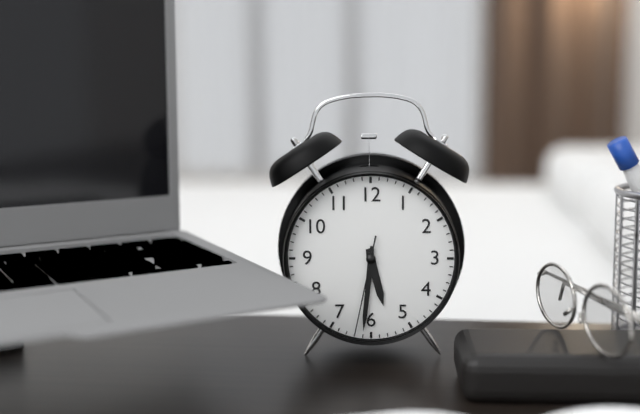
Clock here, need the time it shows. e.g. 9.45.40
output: 5.31.32
